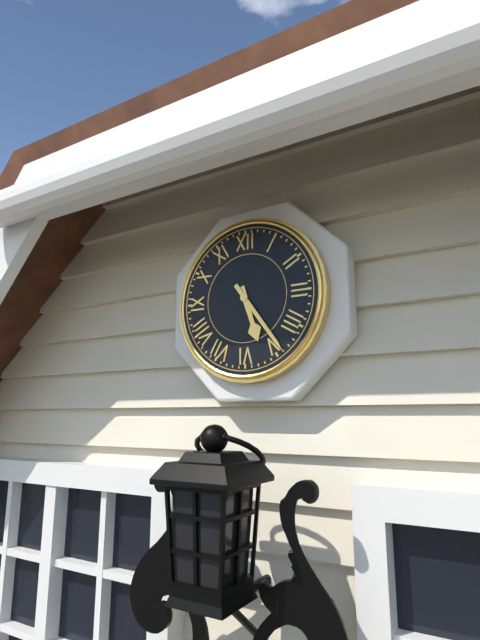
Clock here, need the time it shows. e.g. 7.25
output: 5.24
